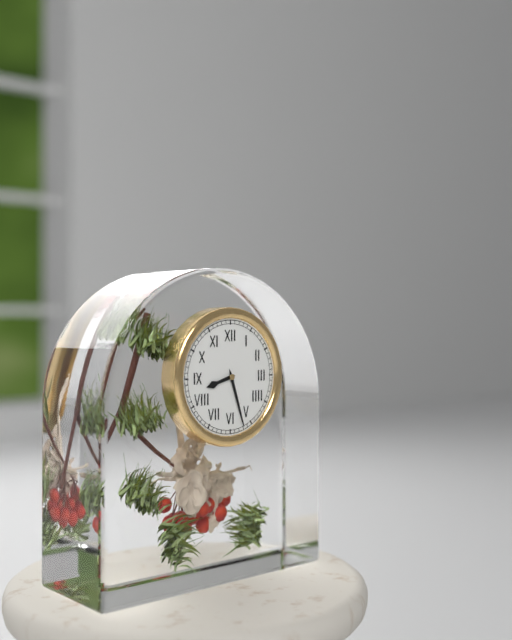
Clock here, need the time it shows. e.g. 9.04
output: 8.27
